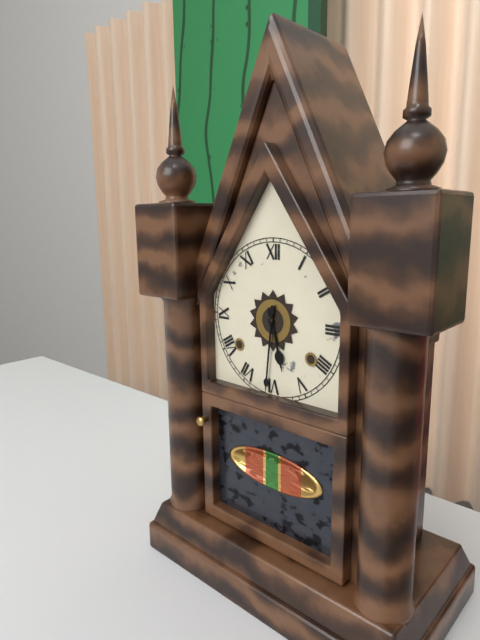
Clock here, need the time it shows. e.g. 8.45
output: 5.31
